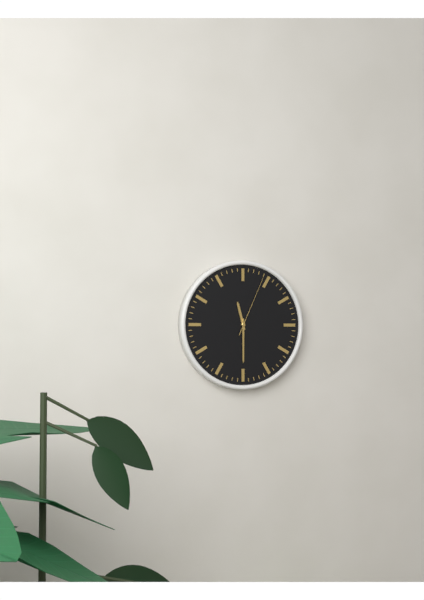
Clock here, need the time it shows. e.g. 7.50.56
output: 11.30.04
